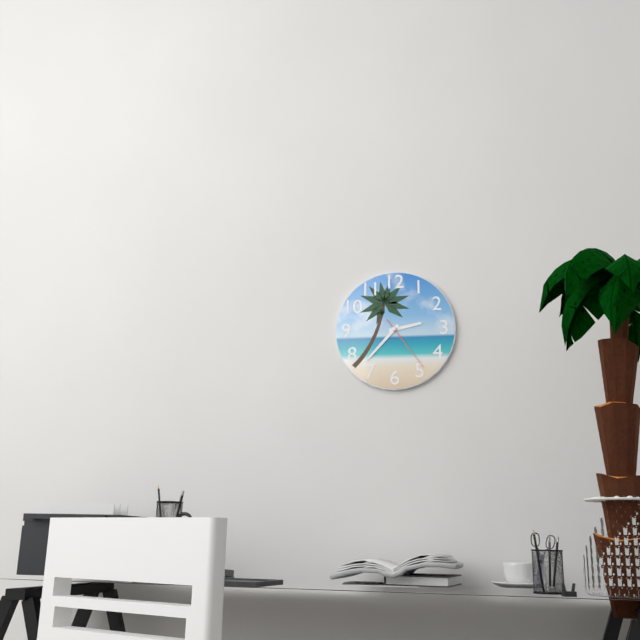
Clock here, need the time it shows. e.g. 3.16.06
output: 2.37.24
